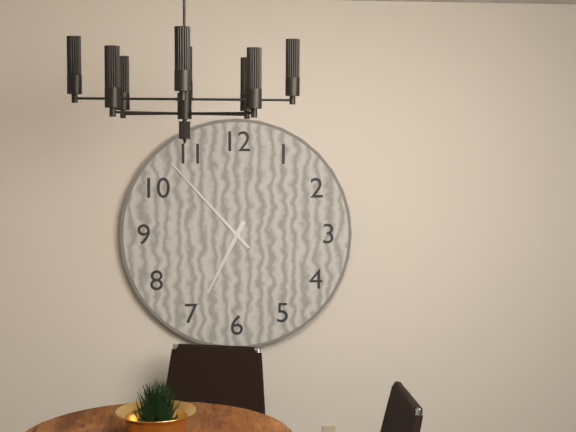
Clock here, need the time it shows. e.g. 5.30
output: 6.53
